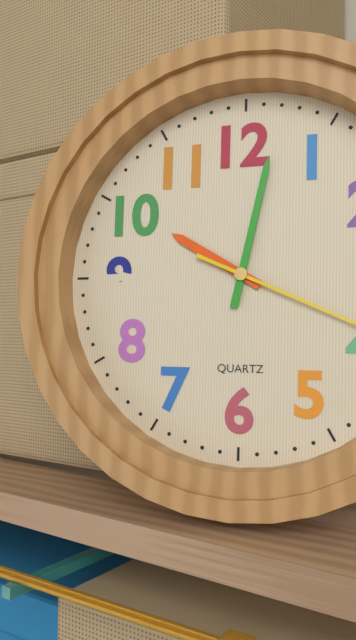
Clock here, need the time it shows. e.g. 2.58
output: 10.02
